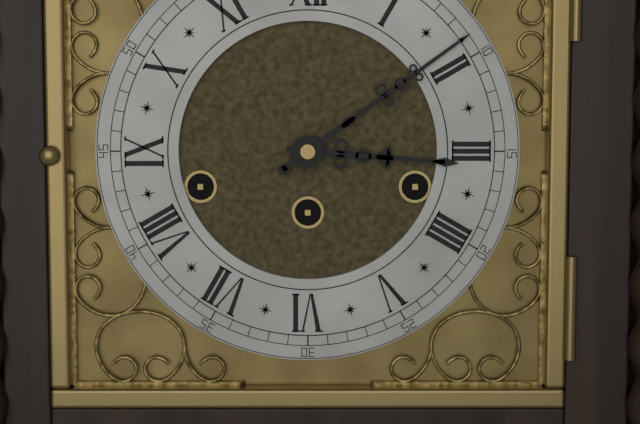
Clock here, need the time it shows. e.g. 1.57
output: 3.09
